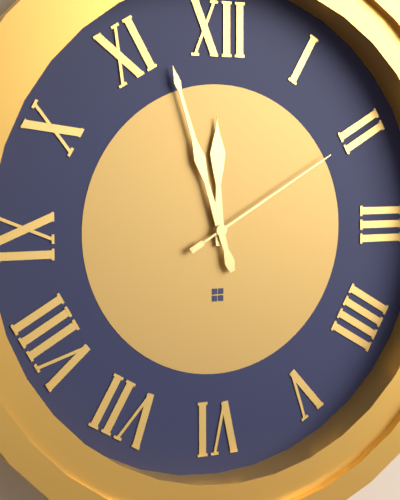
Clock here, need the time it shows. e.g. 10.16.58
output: 11.57.10
